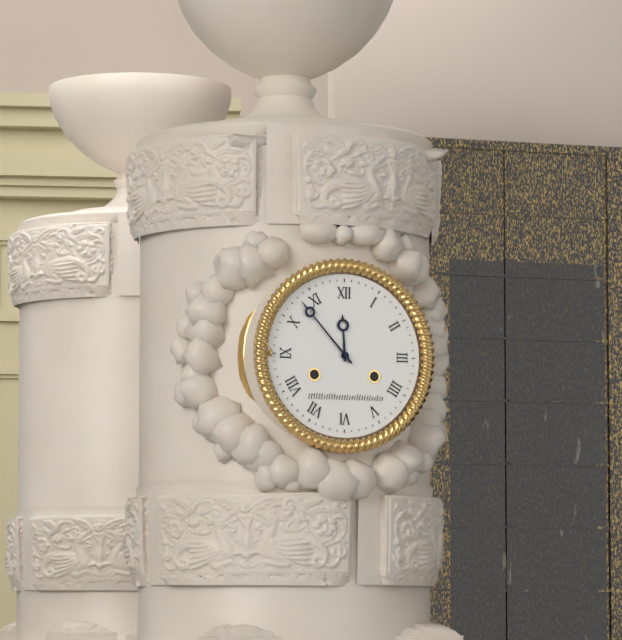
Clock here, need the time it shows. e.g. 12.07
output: 11.53
